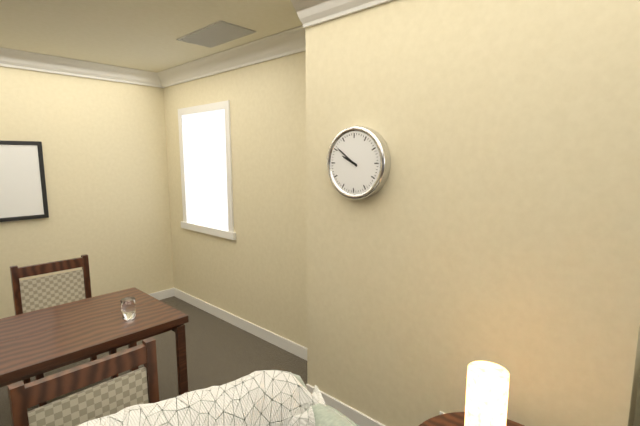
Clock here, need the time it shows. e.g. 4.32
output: 9.51
